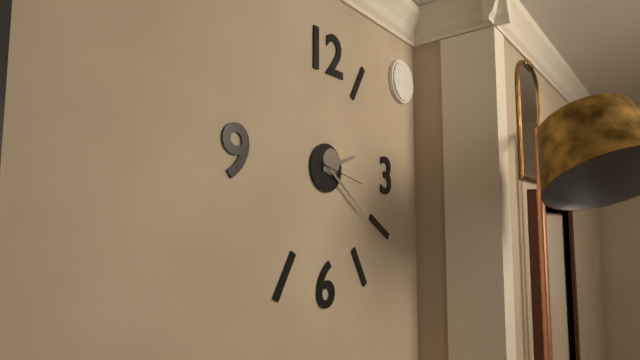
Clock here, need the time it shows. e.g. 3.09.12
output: 2.21.17
